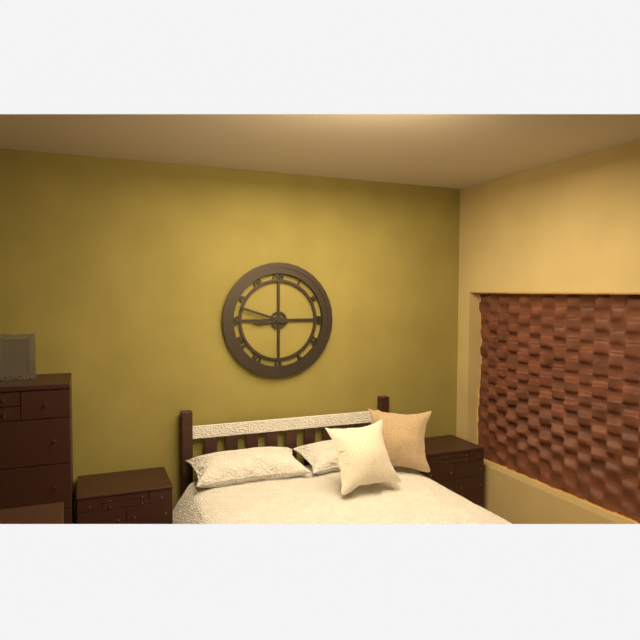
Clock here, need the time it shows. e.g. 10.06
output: 8.48
